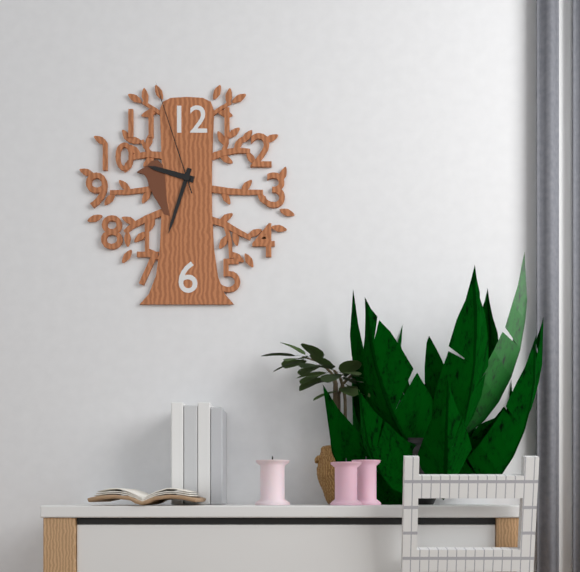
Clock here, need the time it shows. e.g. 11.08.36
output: 9.33.57
